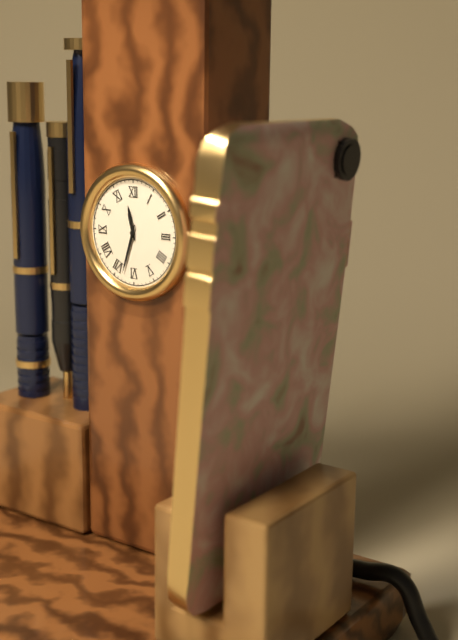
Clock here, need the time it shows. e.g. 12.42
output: 11.33
